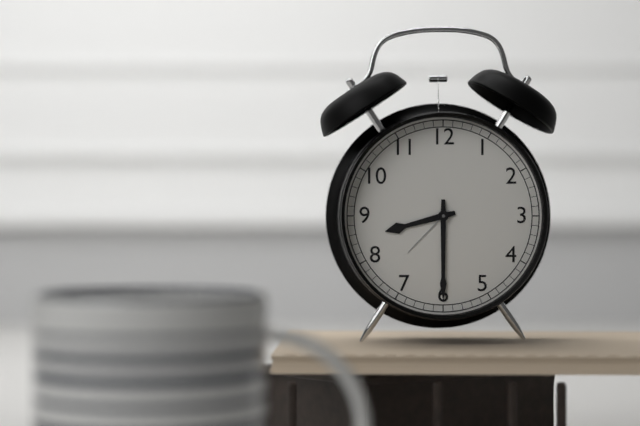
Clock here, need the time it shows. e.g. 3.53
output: 8.30
